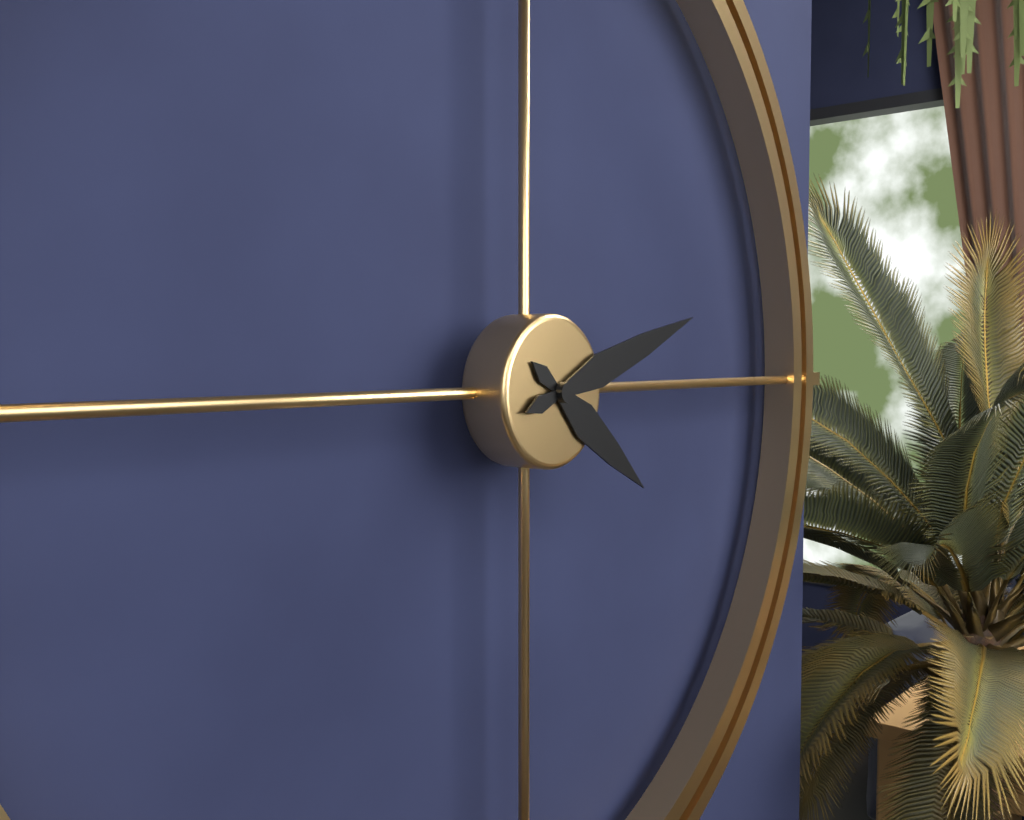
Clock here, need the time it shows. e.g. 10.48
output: 4.12
